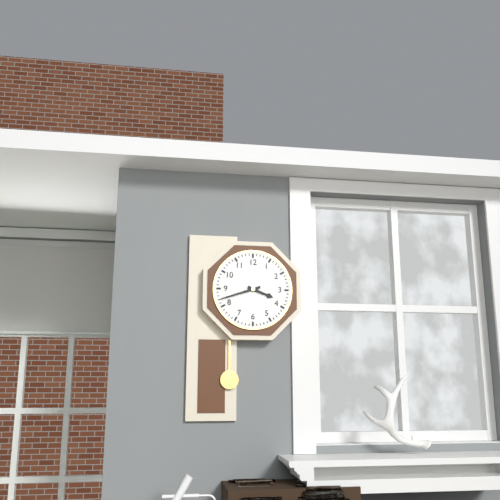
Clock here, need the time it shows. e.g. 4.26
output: 3.42
